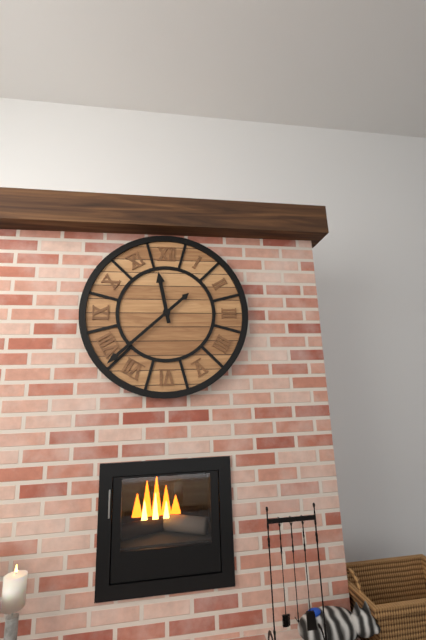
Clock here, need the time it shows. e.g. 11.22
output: 11.38
